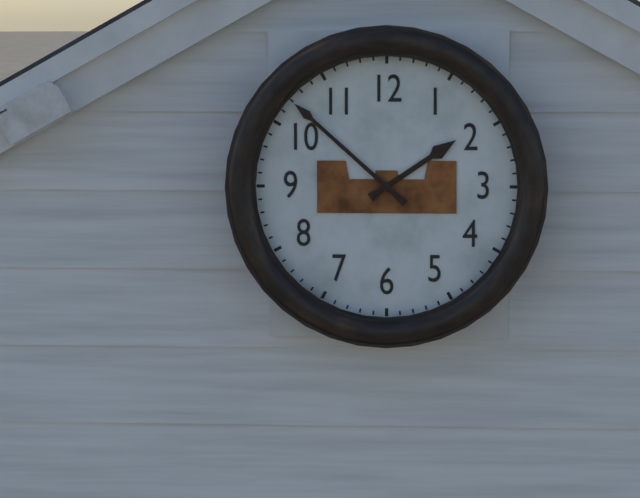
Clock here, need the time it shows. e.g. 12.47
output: 1.52
